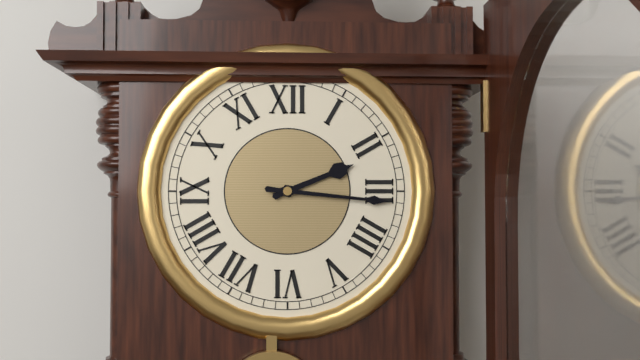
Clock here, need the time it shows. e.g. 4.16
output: 2.16
